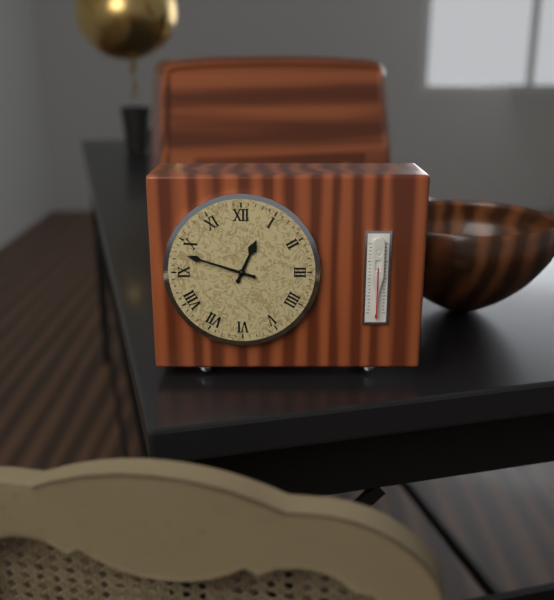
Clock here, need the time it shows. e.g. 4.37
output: 12.48
